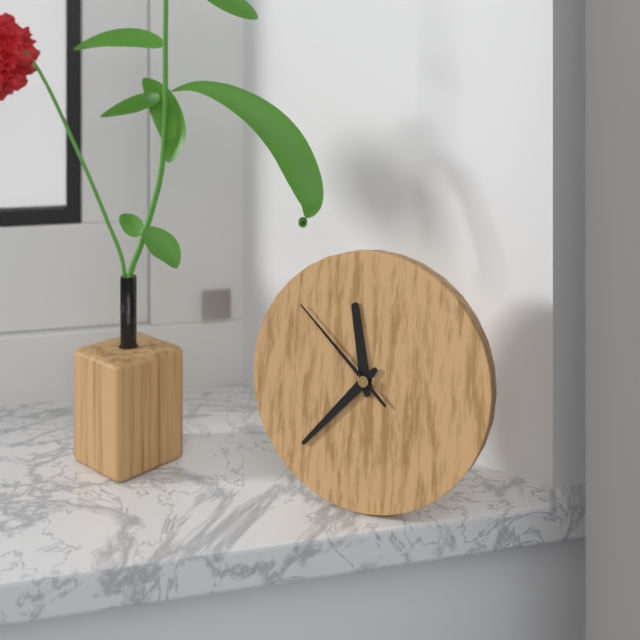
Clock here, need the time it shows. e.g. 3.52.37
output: 11.37.52
